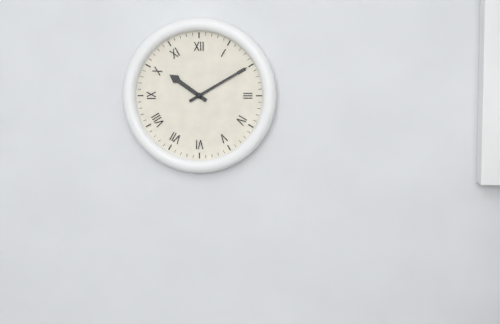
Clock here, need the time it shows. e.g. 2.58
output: 10.10
